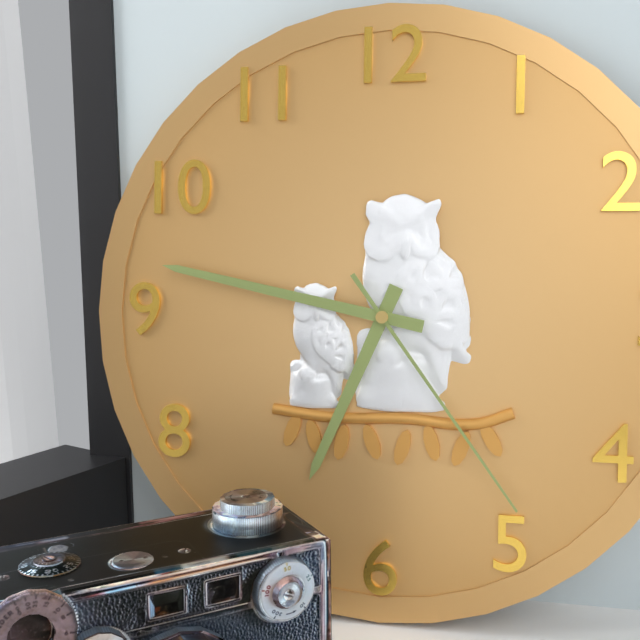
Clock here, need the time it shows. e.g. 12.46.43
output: 6.47.24
